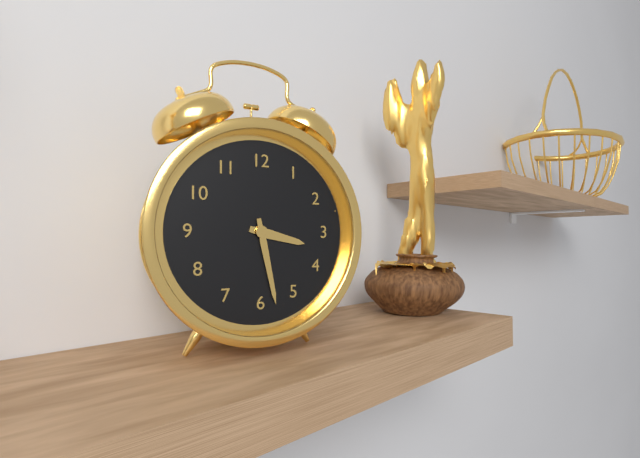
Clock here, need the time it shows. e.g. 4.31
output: 3.28
